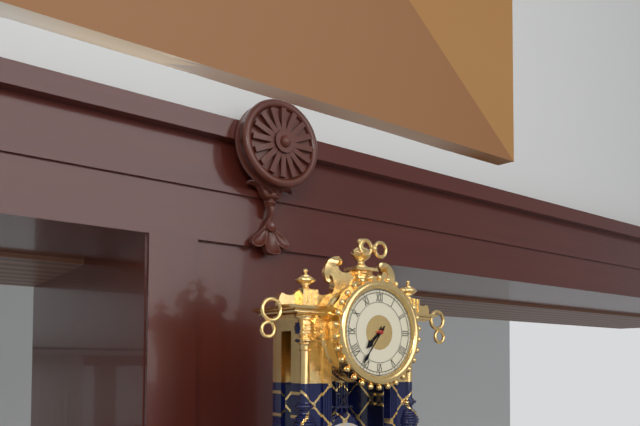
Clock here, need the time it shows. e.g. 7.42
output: 7.36
